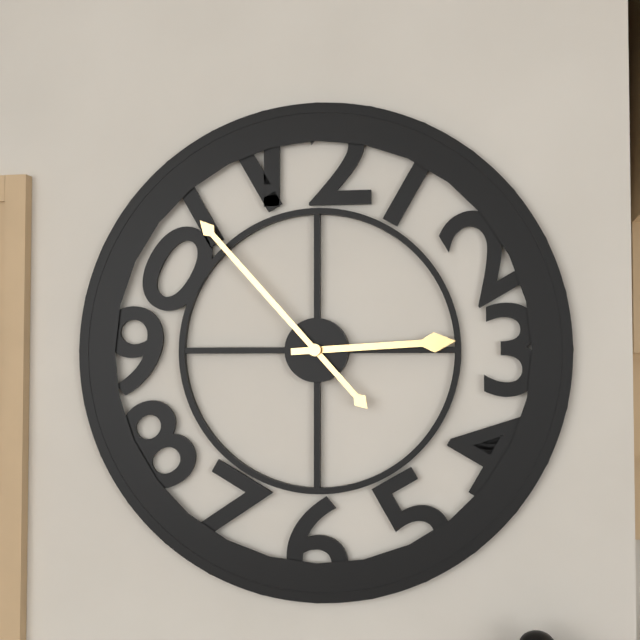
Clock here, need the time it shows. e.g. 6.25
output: 2.53
